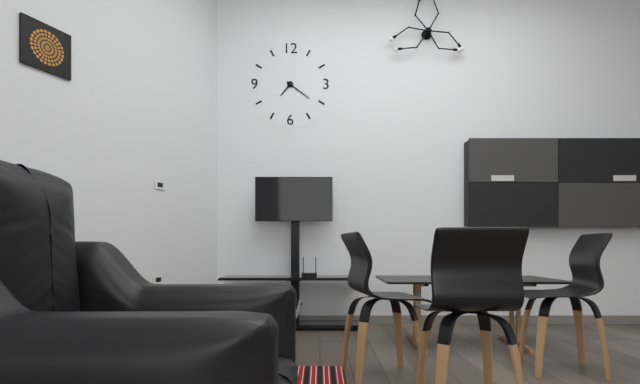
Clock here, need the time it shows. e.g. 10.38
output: 7.21
